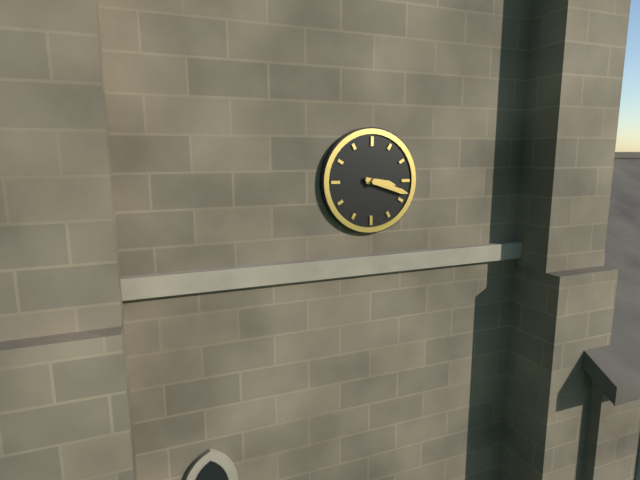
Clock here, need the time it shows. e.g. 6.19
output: 3.18
